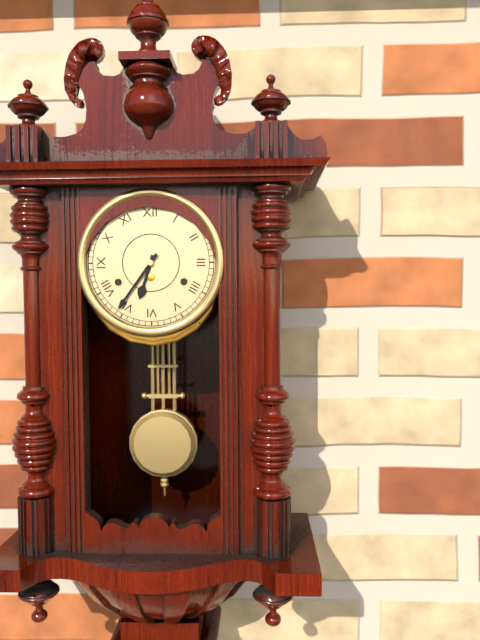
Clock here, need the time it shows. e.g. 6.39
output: 6.36
